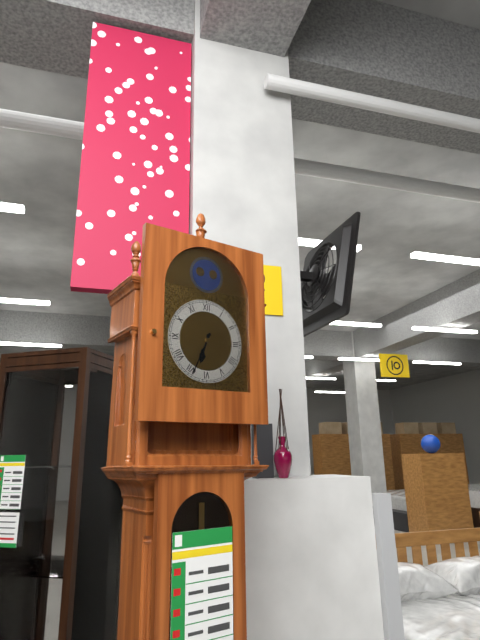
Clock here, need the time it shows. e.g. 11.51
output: 6.34
